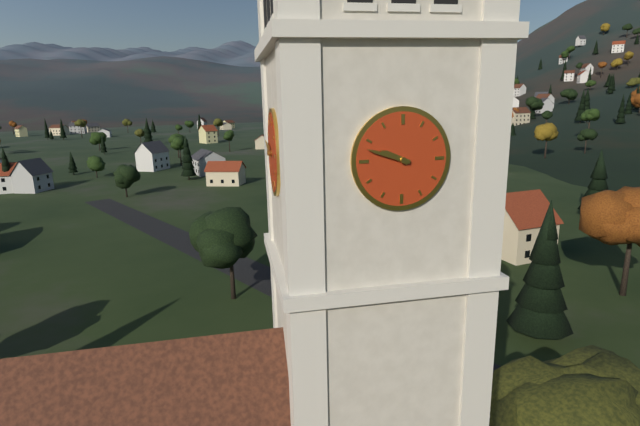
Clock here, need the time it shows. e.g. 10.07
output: 9.48
